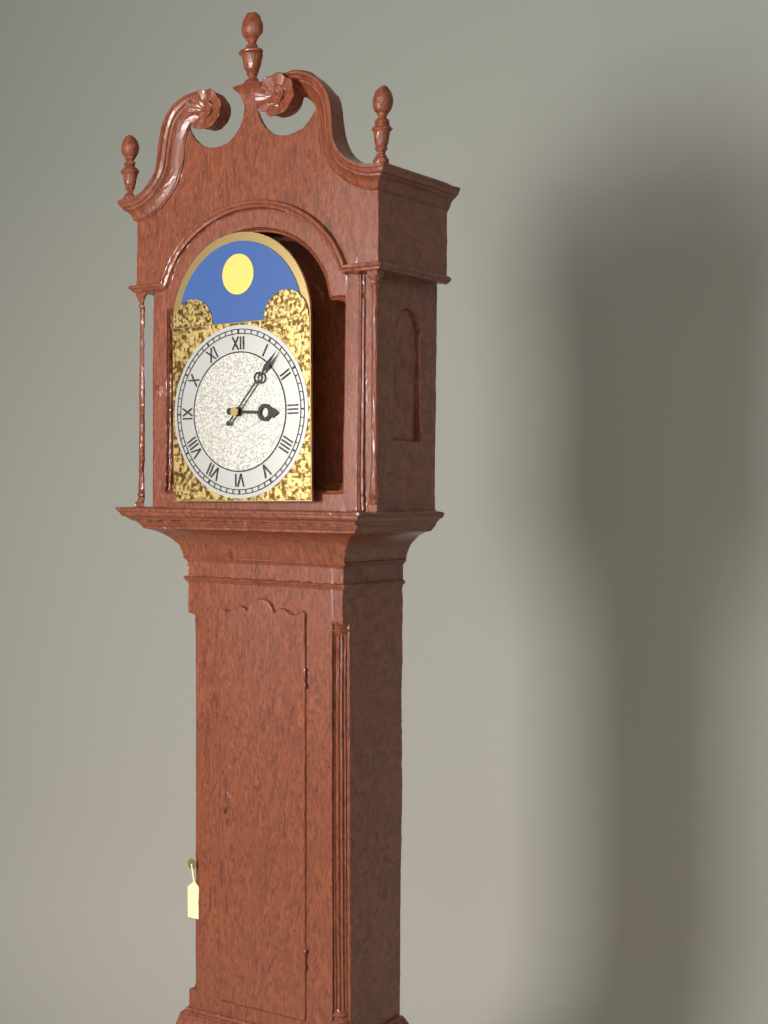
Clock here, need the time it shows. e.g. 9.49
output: 3.07
